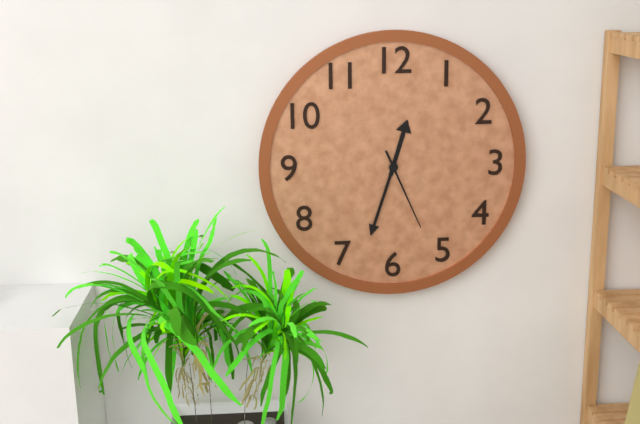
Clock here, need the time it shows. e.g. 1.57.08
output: 12.33.26
